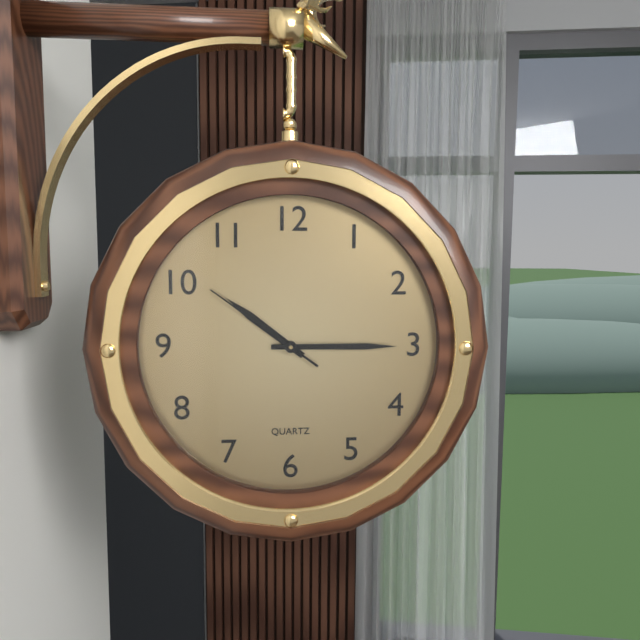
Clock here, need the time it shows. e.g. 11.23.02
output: 10.15.51
